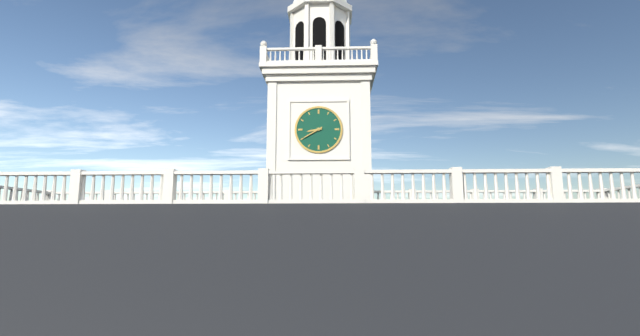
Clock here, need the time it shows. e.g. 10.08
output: 8.40
